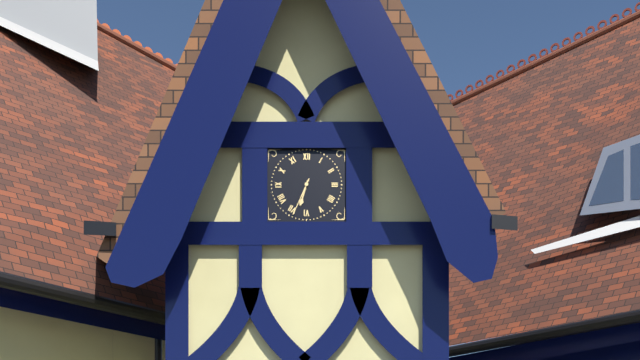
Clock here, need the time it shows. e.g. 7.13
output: 6.34
